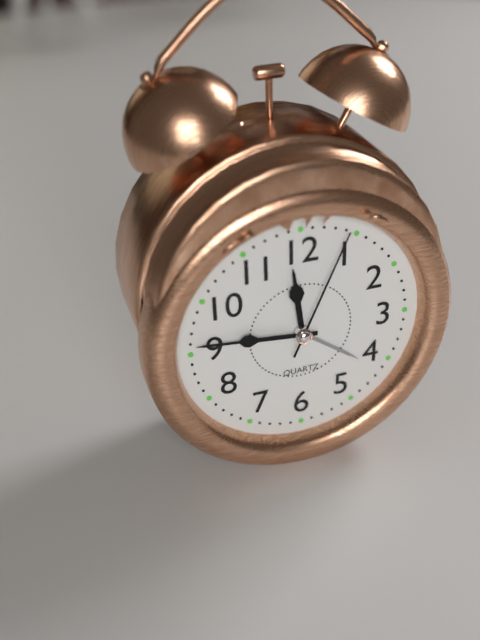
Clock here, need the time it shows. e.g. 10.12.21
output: 11.46.04
